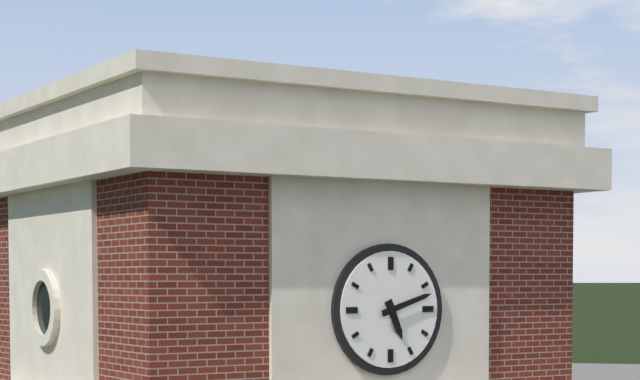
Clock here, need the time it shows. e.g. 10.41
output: 5.12
